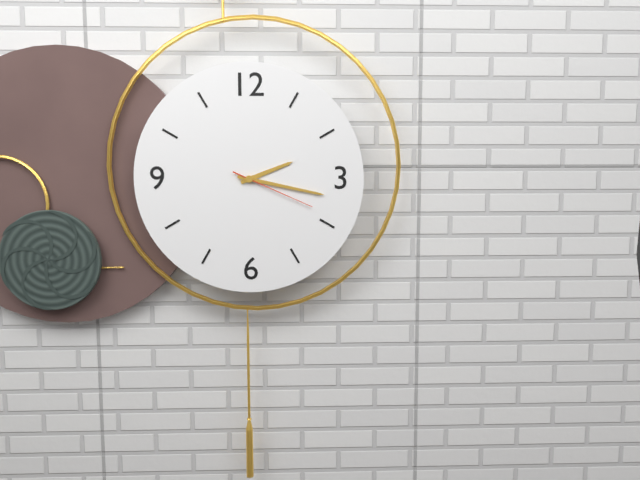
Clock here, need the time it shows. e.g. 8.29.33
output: 2.17.19
